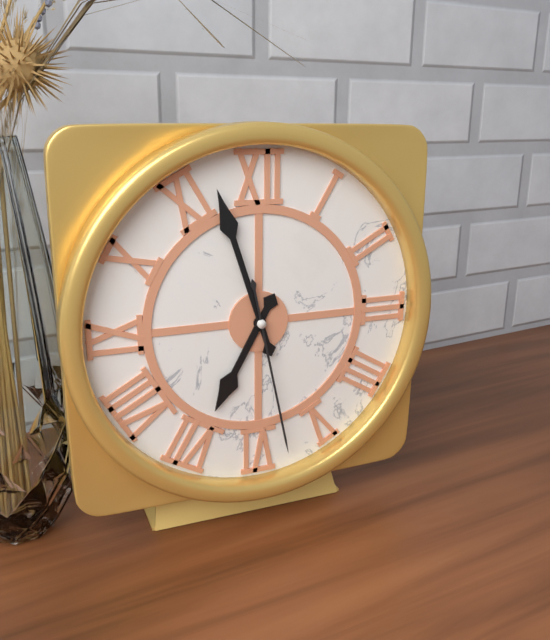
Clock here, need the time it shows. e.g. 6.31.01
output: 6.57.28
